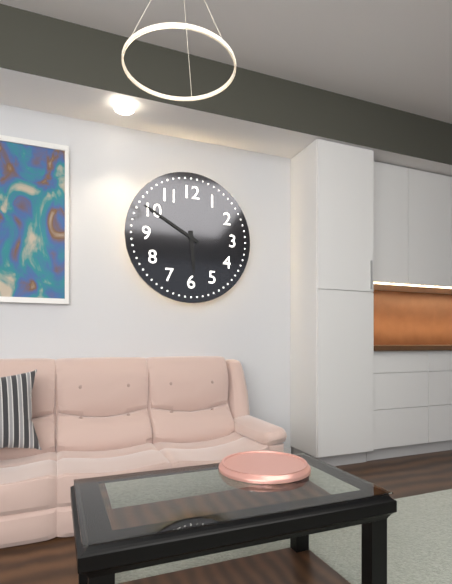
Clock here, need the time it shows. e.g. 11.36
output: 5.50
